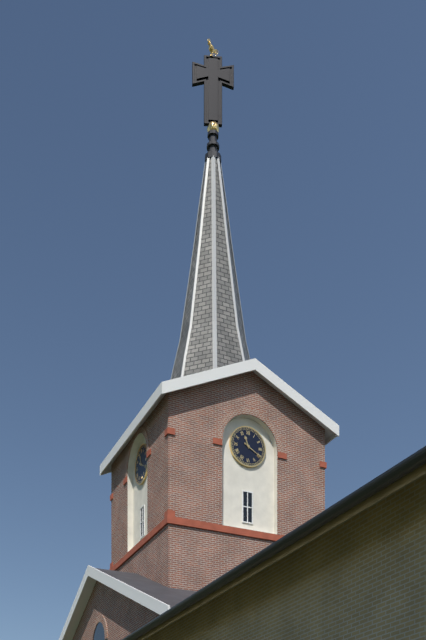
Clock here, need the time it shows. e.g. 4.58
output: 11.20
